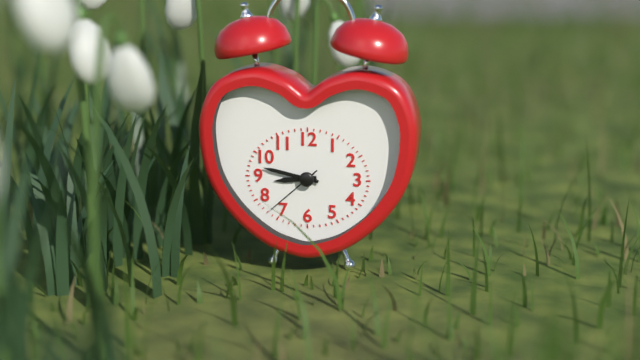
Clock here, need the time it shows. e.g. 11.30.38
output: 8.47.38
